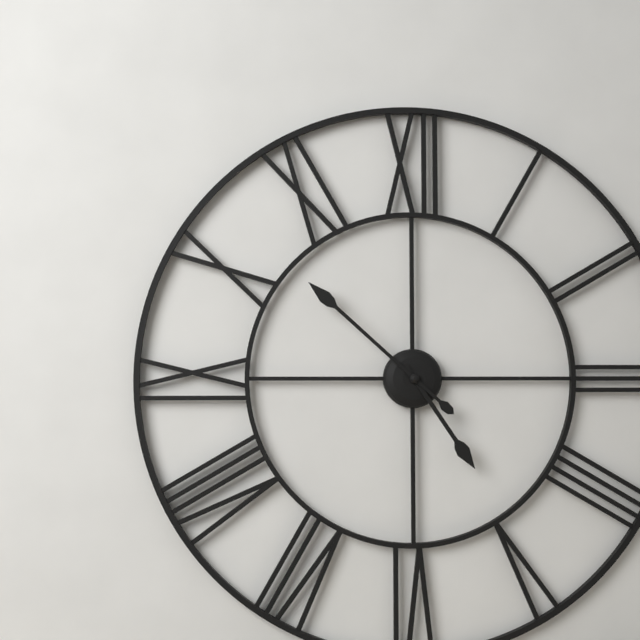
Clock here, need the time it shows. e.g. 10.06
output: 4.52
